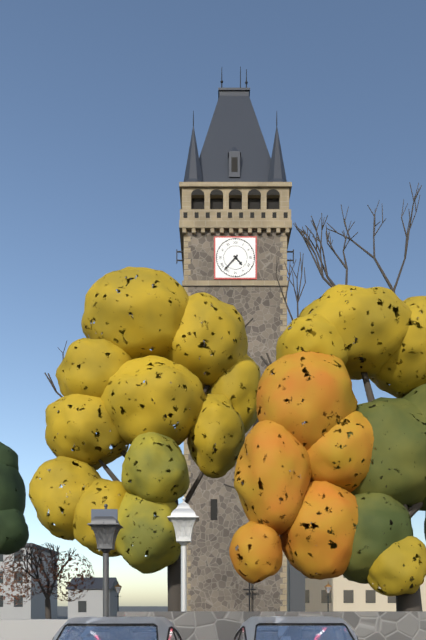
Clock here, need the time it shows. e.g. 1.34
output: 4.37
